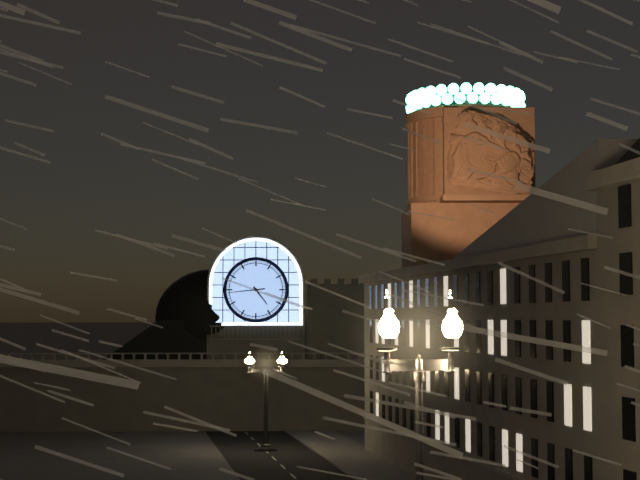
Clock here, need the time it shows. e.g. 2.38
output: 4.44
